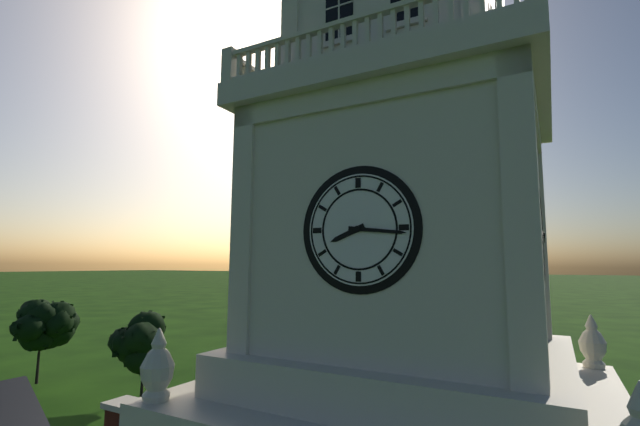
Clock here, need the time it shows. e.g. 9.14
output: 8.16
